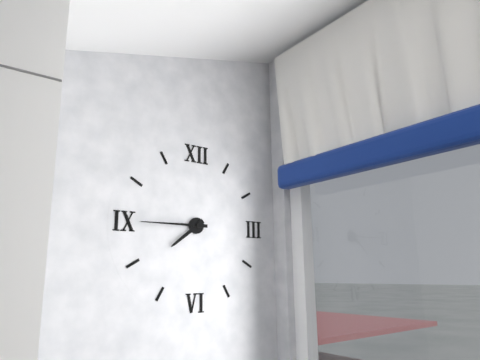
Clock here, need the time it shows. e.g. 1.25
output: 7.45
